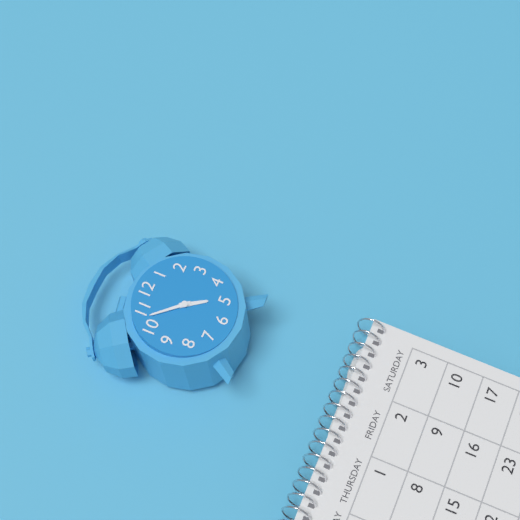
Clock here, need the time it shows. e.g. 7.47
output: 4.53
